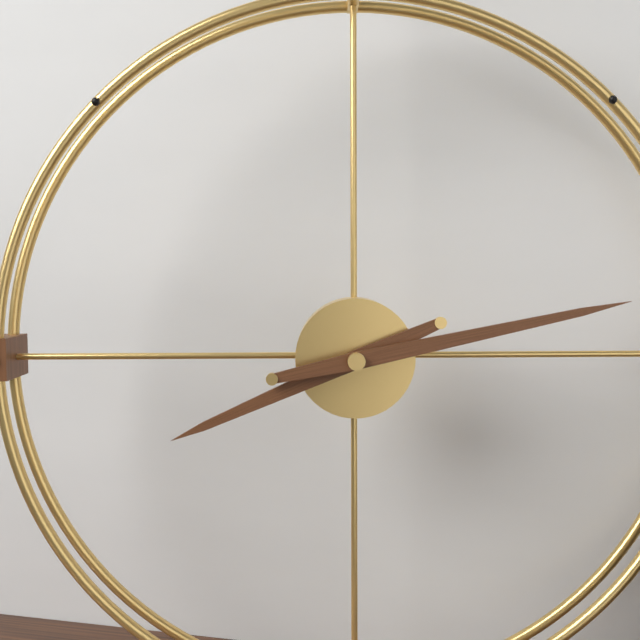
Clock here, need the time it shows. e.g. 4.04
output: 8.13
